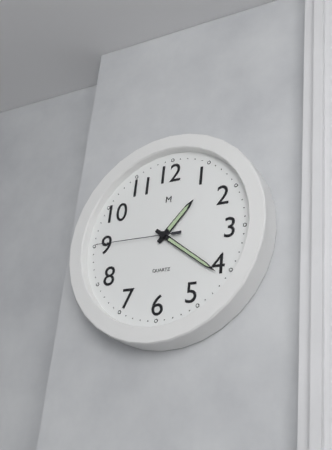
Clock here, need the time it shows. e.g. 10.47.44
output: 1.21.45
